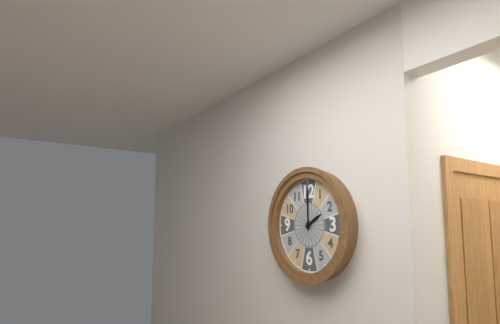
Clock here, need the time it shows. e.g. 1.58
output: 2.00
